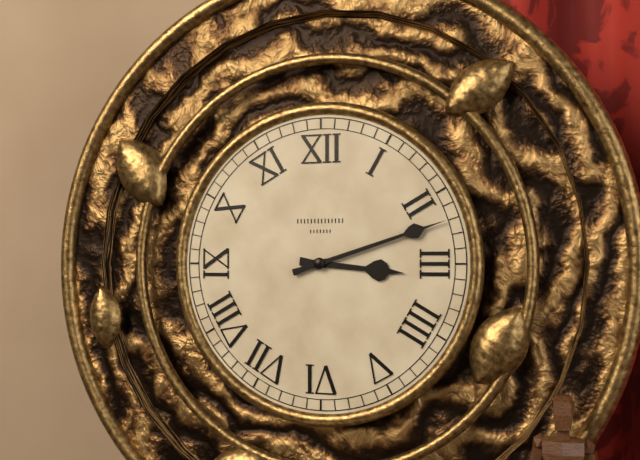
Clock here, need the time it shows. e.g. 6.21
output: 3.12
